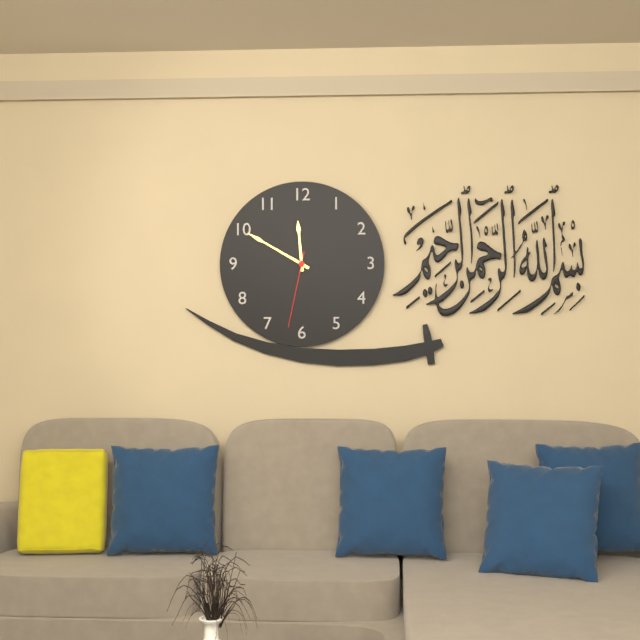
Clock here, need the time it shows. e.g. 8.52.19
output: 11.50.32
